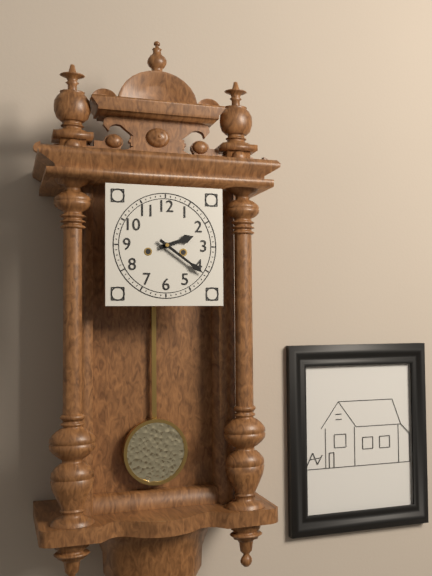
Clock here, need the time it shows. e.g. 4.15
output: 2.21
